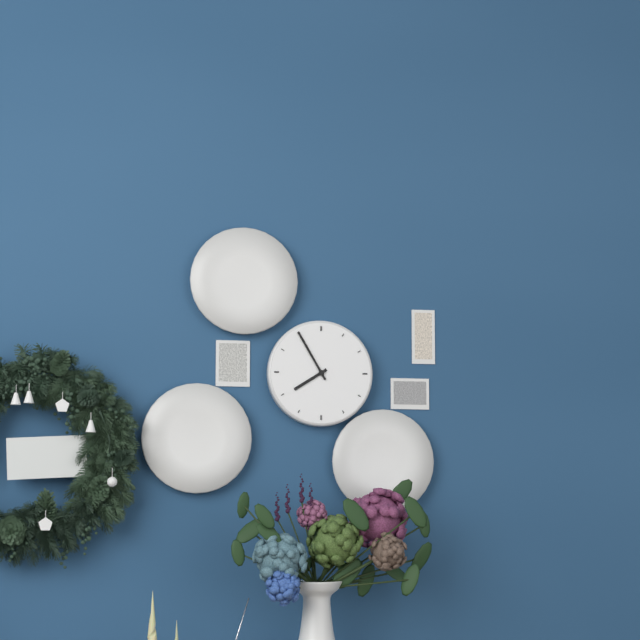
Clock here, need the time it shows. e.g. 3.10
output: 7.55
